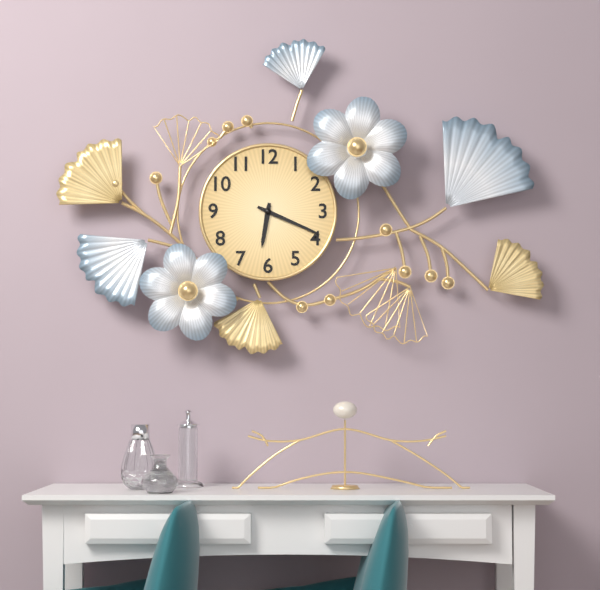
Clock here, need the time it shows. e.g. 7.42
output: 6.19
